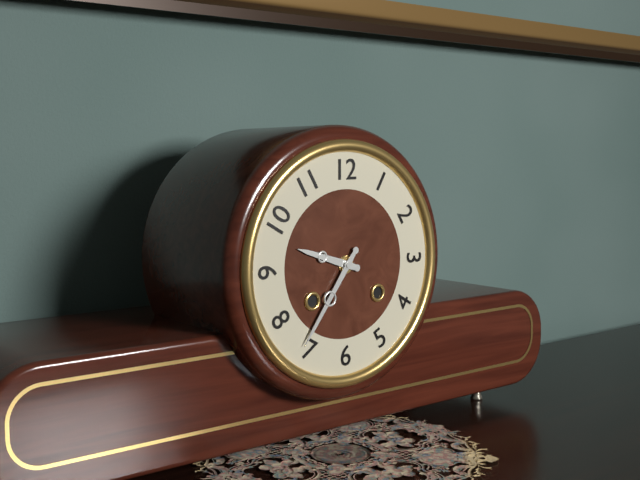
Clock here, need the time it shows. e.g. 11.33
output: 9.36
